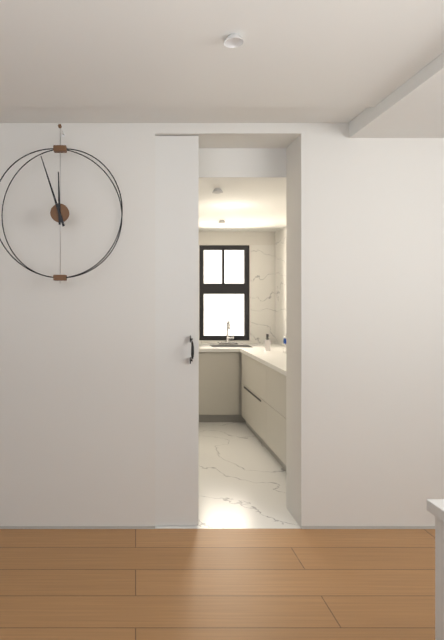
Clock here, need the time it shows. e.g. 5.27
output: 11.57
